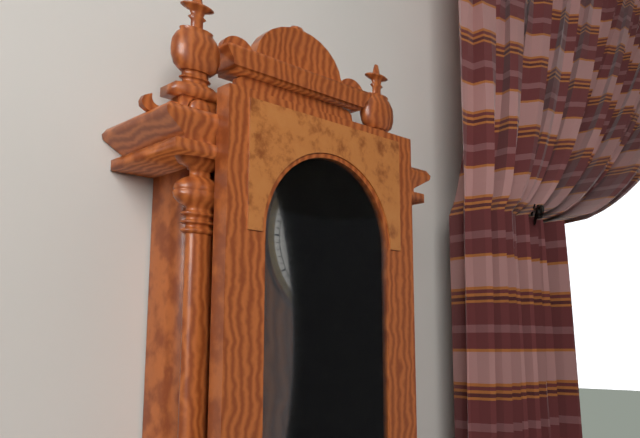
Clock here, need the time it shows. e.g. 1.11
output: 11.54
